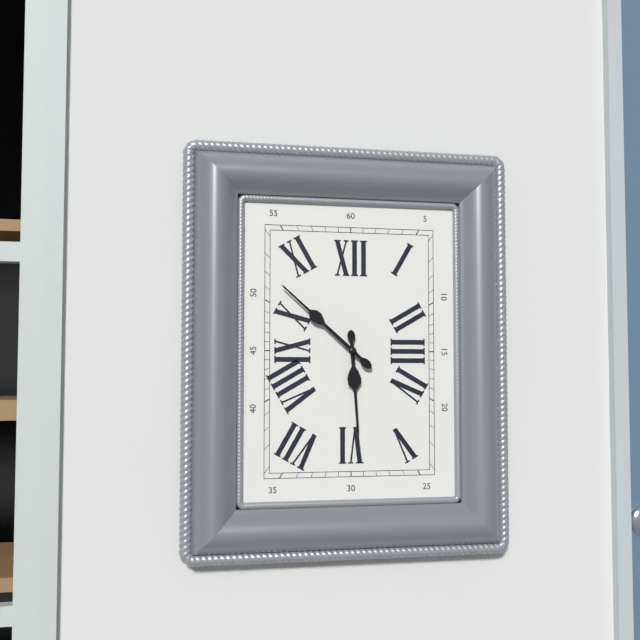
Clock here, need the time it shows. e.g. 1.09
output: 5.52
